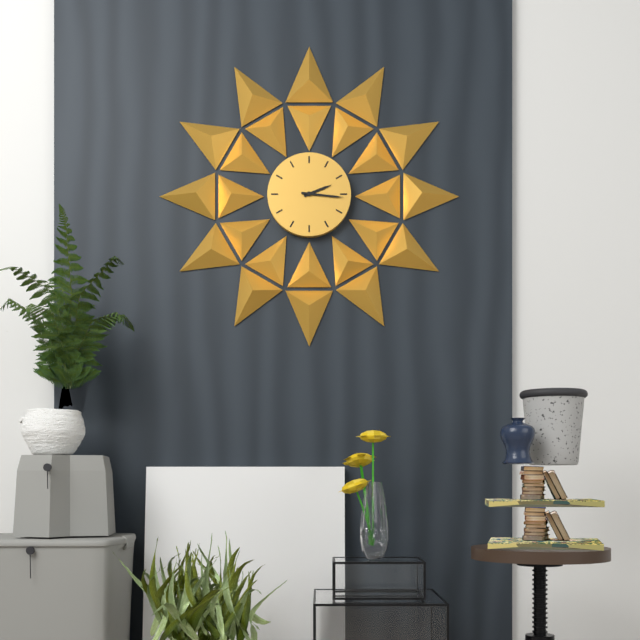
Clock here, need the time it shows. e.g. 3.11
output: 2.16
